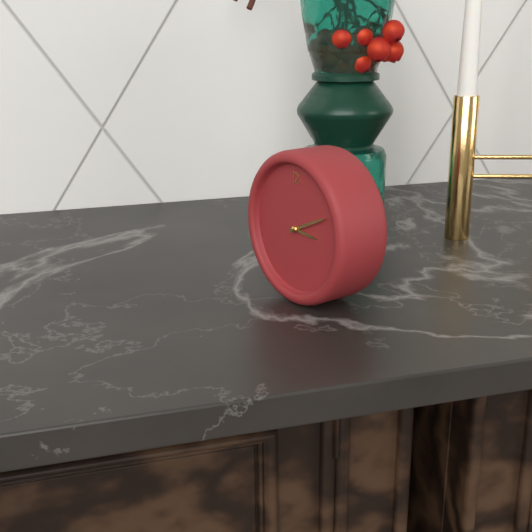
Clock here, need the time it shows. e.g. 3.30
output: 3.11
